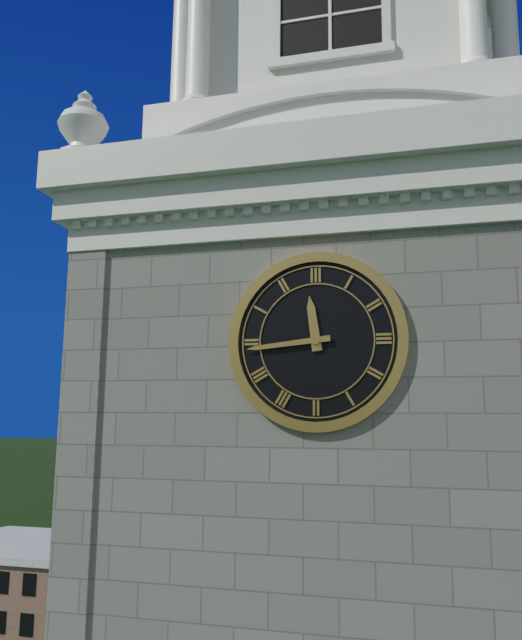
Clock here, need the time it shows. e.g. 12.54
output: 11.44
